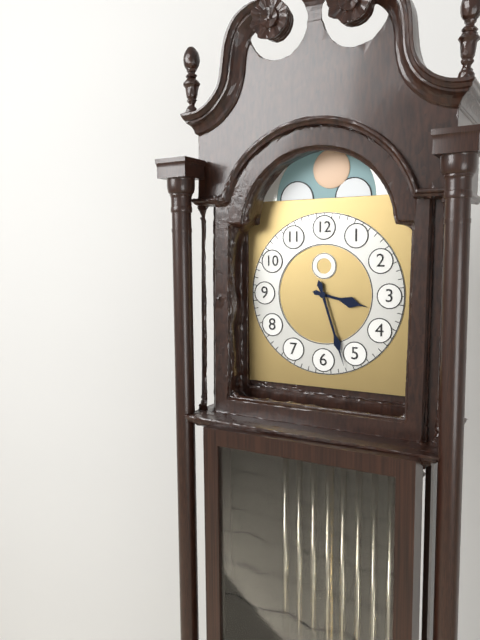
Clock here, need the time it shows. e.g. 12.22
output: 3.27
